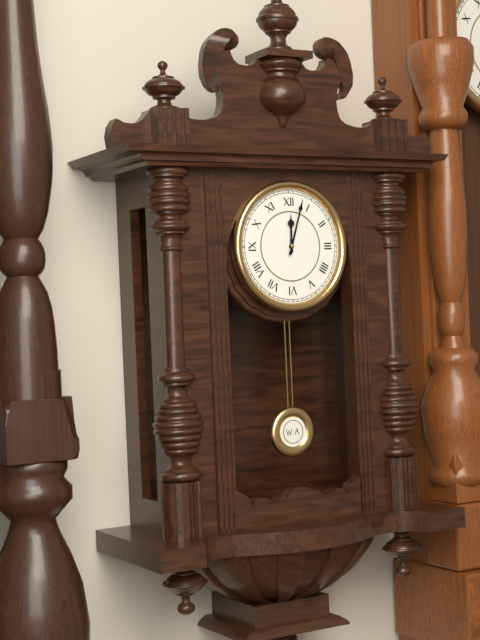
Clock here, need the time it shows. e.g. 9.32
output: 12.03
